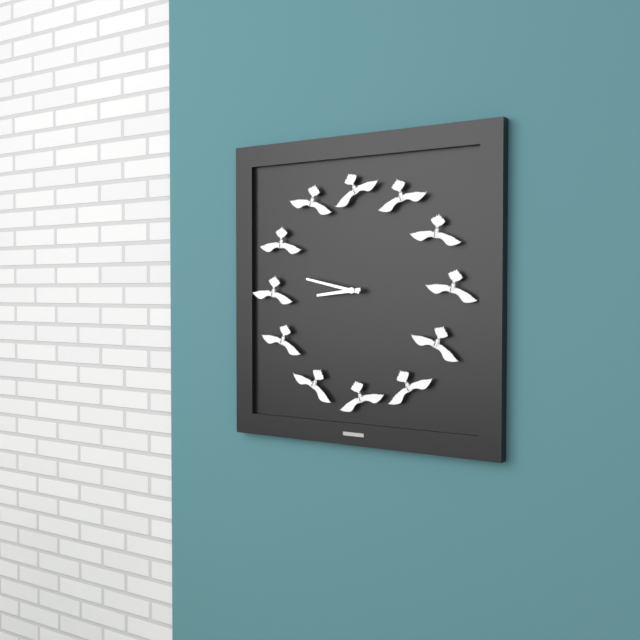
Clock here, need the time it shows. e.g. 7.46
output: 8.47
